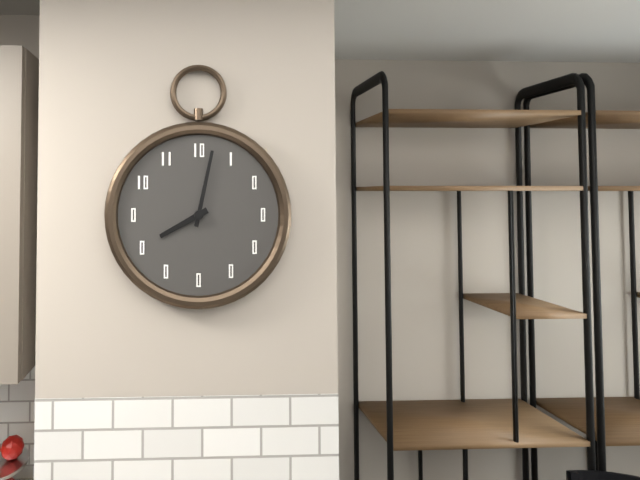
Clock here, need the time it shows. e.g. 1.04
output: 8.02
